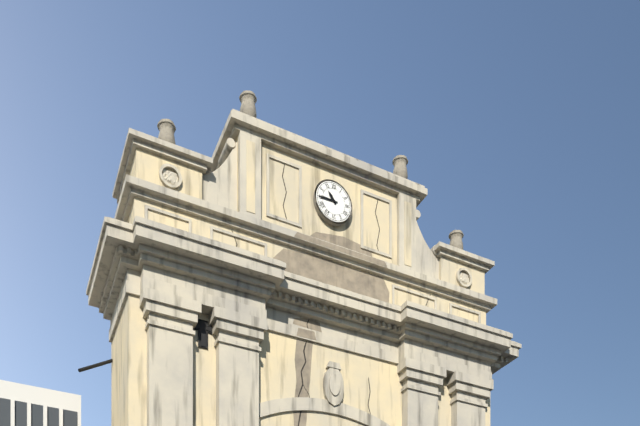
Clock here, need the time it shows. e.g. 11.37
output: 10.45
